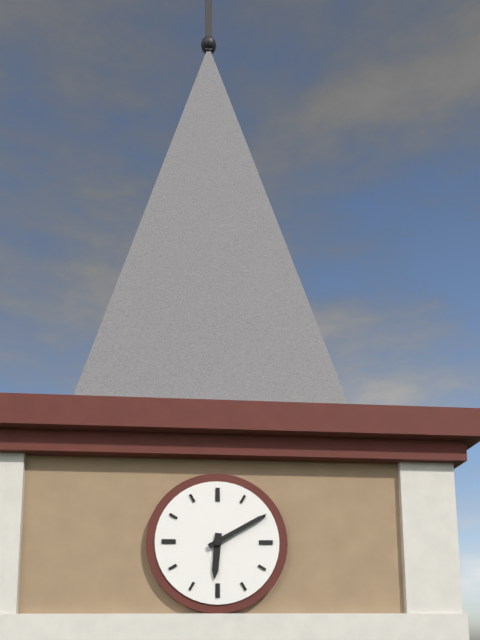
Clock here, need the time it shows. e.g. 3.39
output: 6.10
